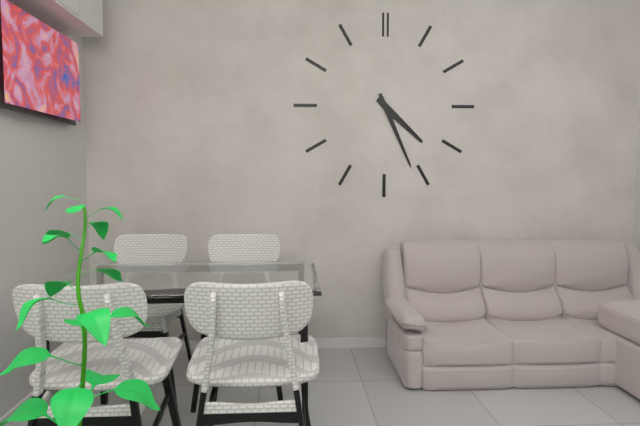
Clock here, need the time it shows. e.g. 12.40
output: 4.26
